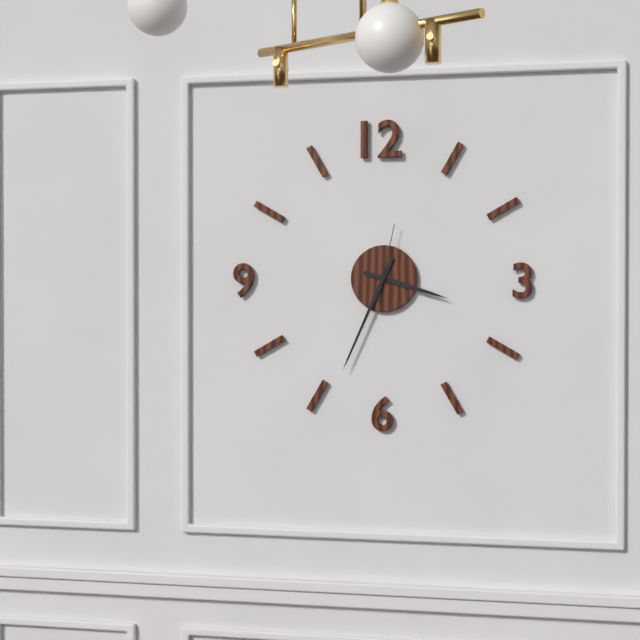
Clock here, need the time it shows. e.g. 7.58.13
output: 3.34.02
